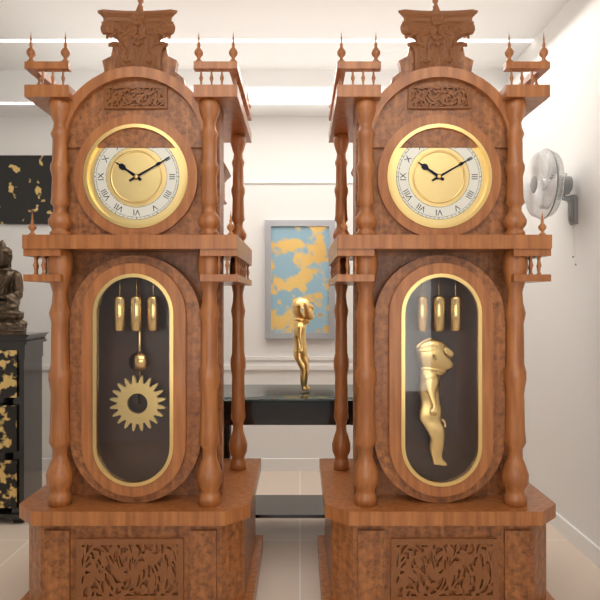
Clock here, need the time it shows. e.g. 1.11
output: 10.10
